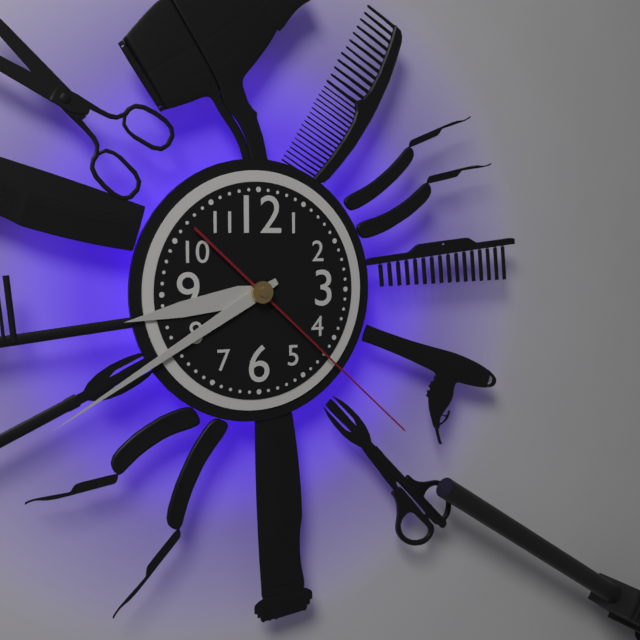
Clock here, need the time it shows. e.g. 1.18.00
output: 8.40.22
